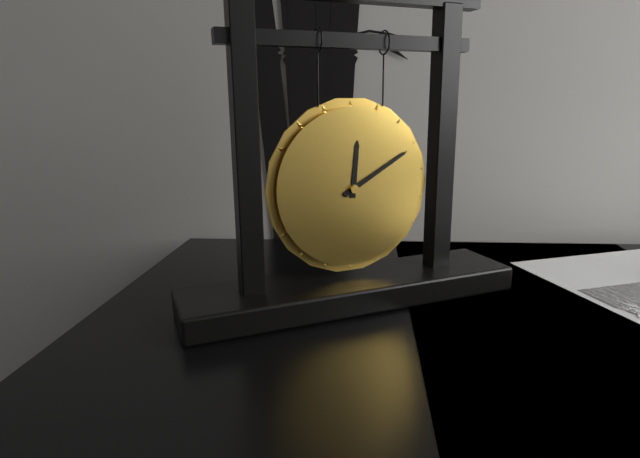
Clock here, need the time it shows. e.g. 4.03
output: 12.10
